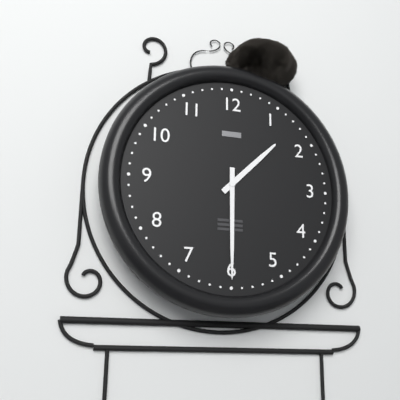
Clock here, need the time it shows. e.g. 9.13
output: 1.30
